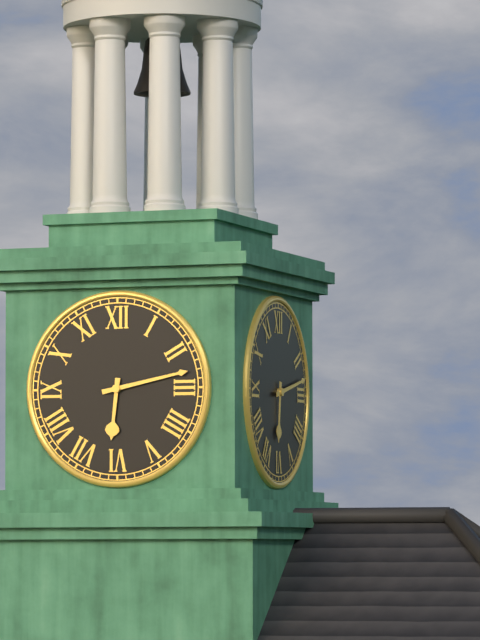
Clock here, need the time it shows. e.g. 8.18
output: 6.13
